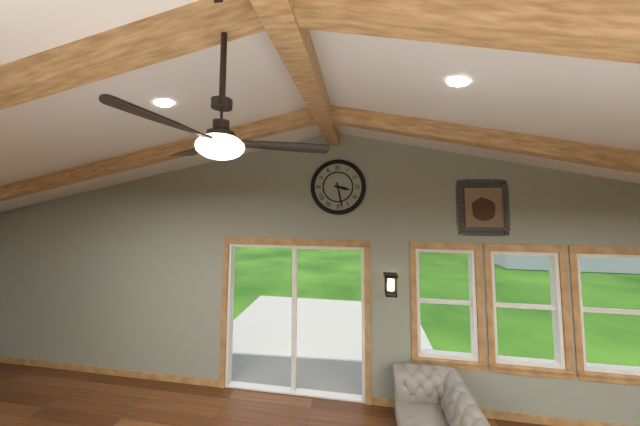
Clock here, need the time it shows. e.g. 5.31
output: 3.28
